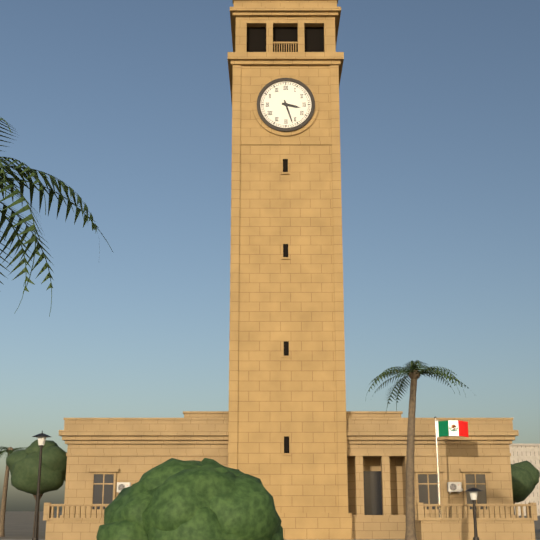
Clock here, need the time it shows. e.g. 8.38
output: 3.27
